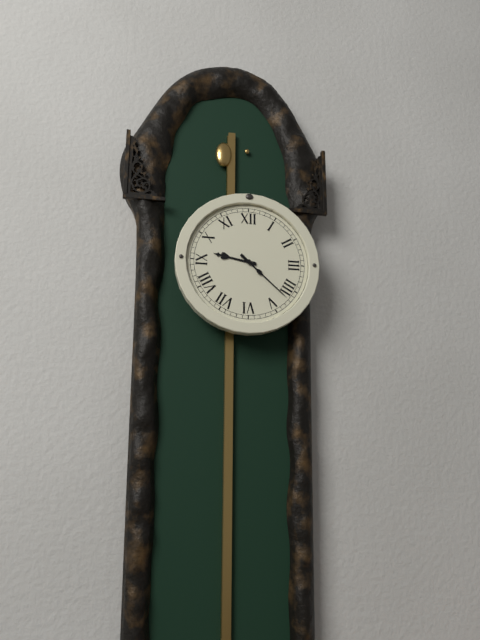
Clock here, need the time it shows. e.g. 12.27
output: 9.22
